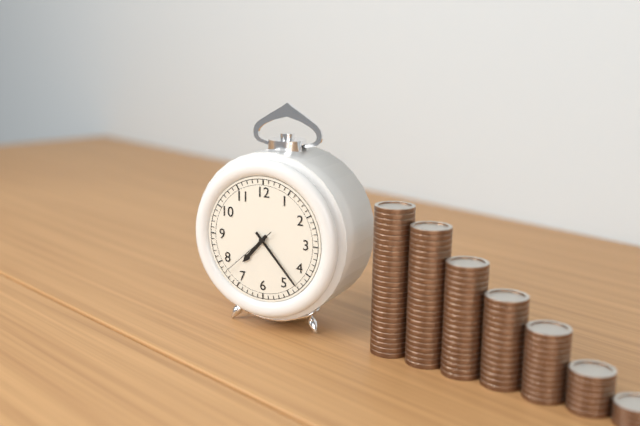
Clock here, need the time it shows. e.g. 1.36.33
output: 7.23.38
